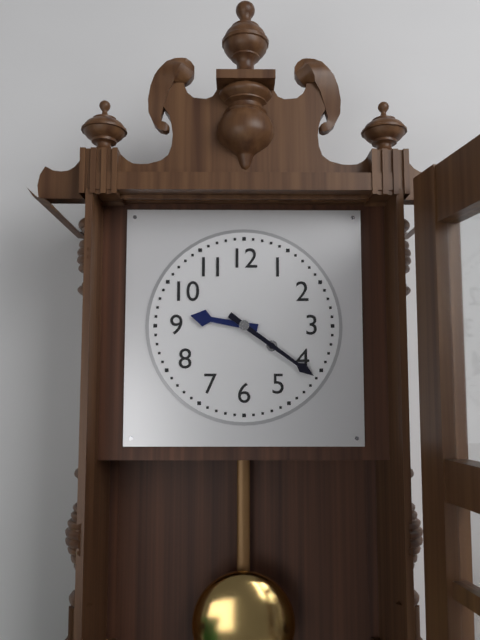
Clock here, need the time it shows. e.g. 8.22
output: 9.21
